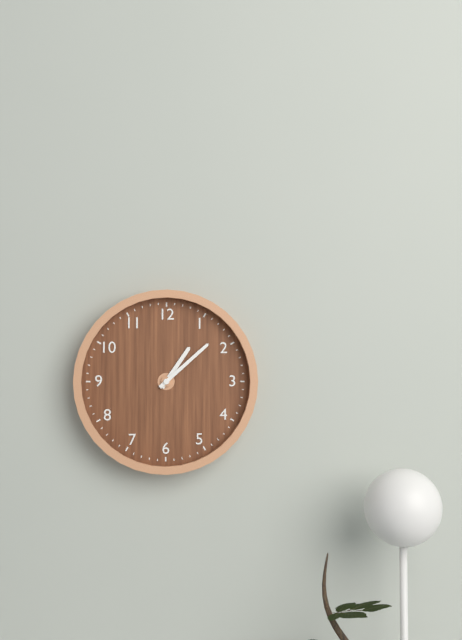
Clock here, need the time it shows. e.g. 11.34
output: 1.08
